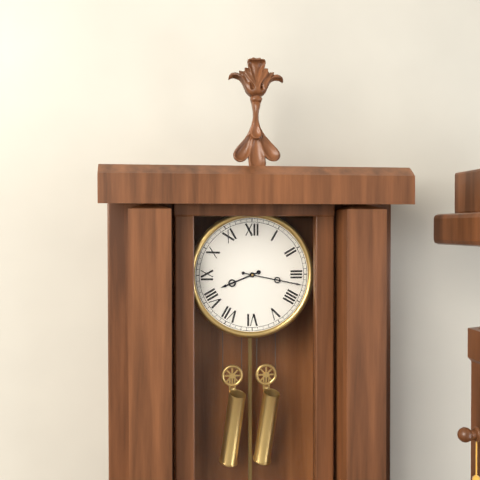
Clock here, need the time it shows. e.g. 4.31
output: 8.17
